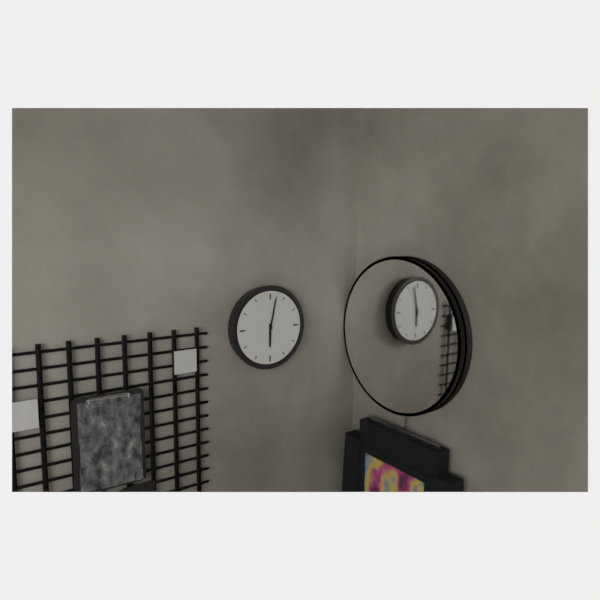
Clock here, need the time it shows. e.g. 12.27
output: 6.02
